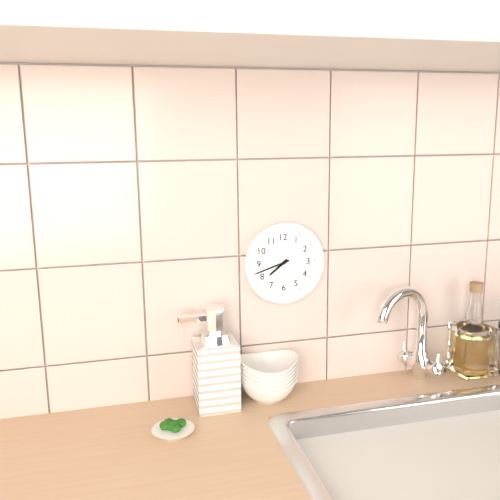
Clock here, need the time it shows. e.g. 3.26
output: 7.42
